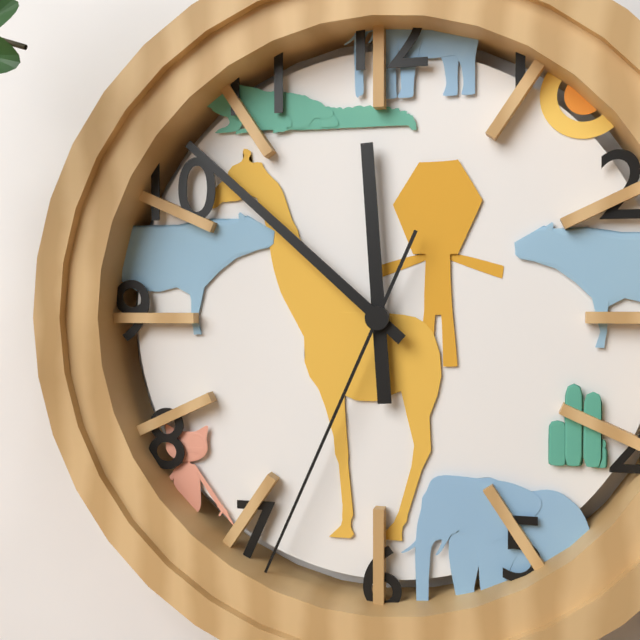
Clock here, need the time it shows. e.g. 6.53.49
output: 11.52.34
